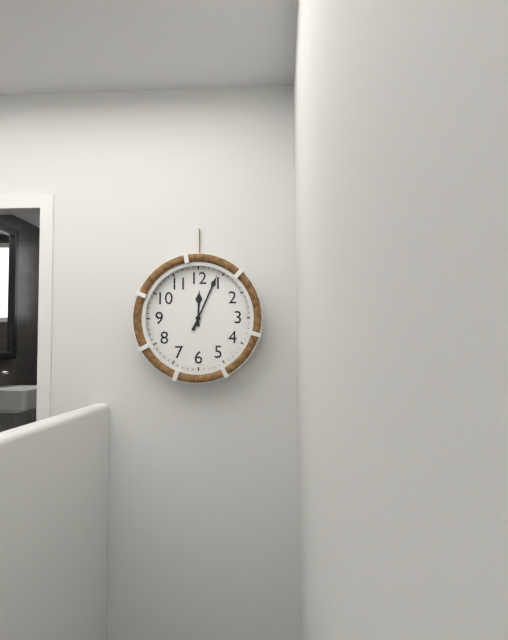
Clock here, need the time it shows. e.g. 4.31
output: 12.04
